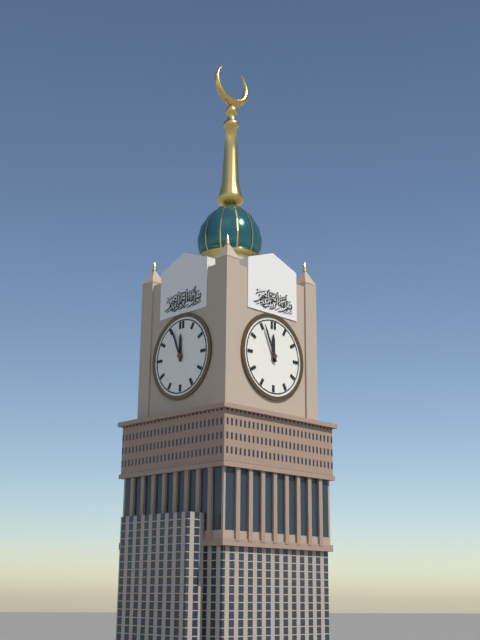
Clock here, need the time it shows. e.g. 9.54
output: 11.56
